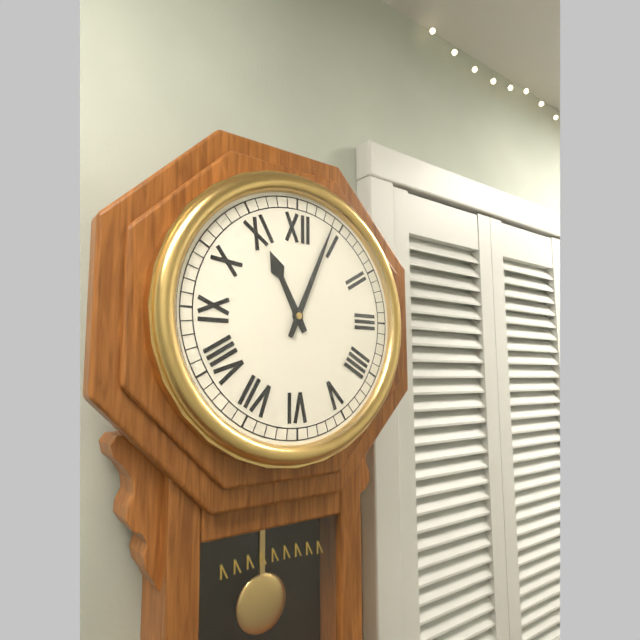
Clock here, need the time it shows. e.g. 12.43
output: 11.04
